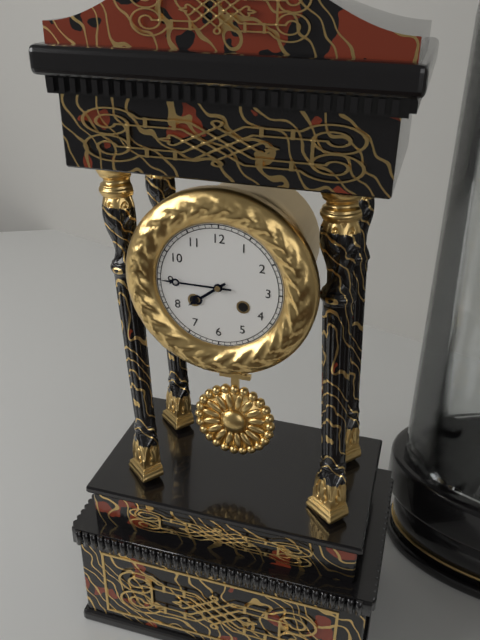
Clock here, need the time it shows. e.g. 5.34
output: 7.45
